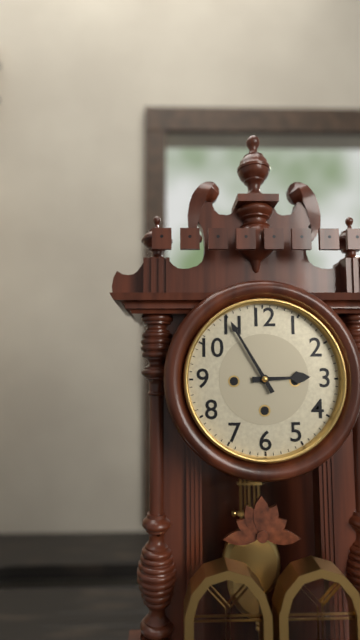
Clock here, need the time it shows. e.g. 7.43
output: 2.55
